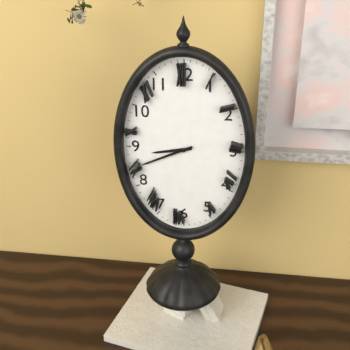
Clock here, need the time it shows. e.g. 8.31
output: 8.41
